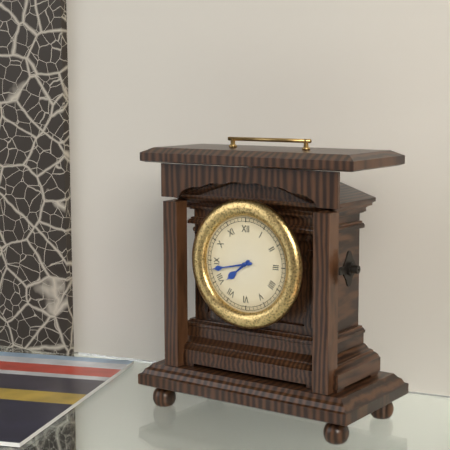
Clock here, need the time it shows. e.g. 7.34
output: 7.43
